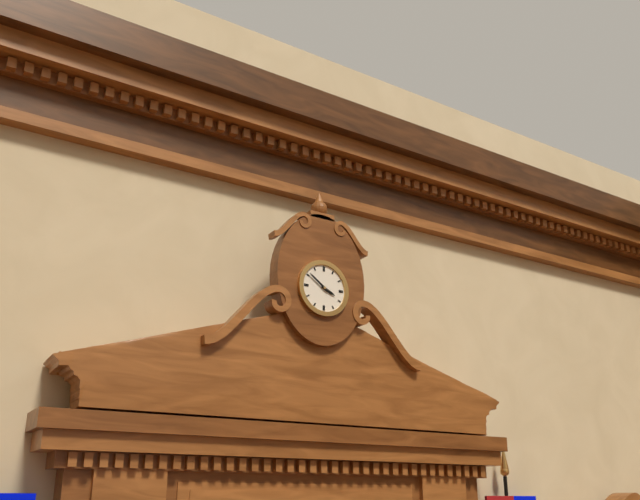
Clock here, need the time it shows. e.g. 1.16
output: 3.51
